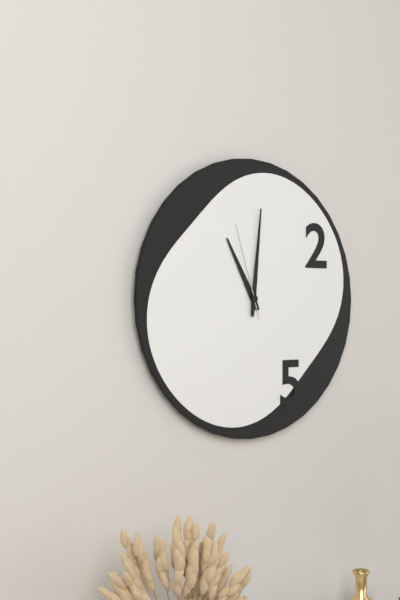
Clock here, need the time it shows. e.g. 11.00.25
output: 11.01.57
